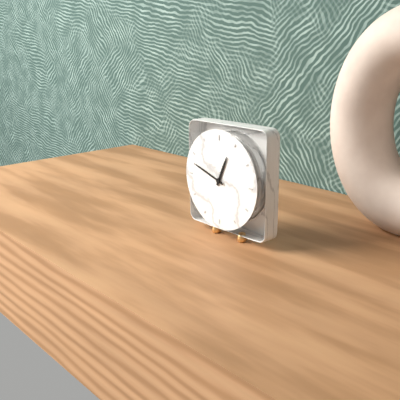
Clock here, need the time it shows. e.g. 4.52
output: 12.48
